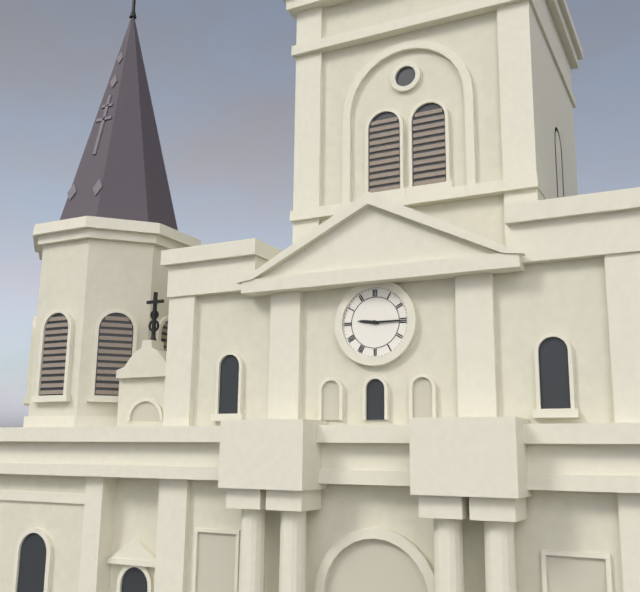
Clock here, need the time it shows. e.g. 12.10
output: 9.15
